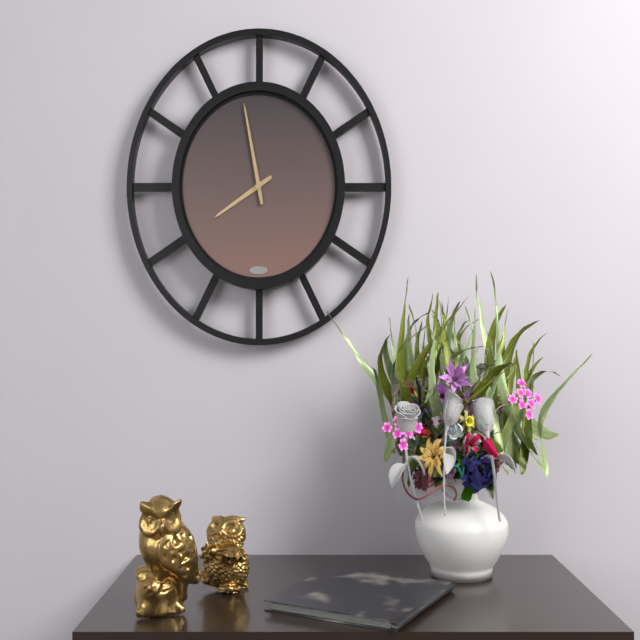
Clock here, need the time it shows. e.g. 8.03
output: 7.58
